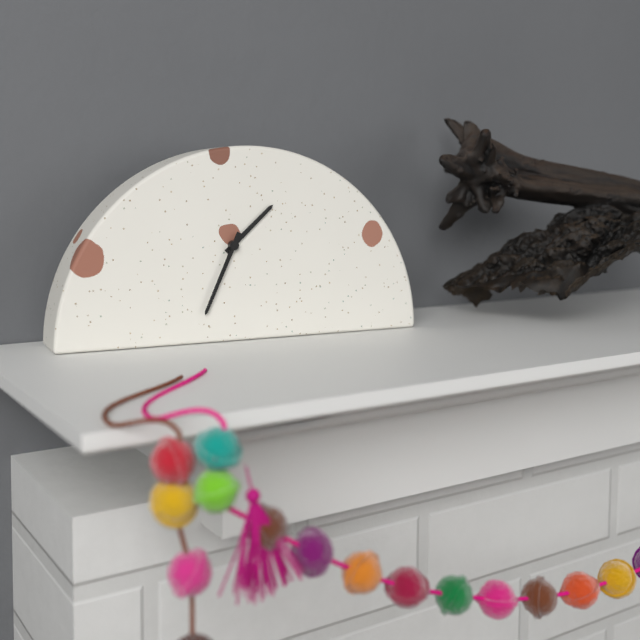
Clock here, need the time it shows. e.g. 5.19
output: 1.34
